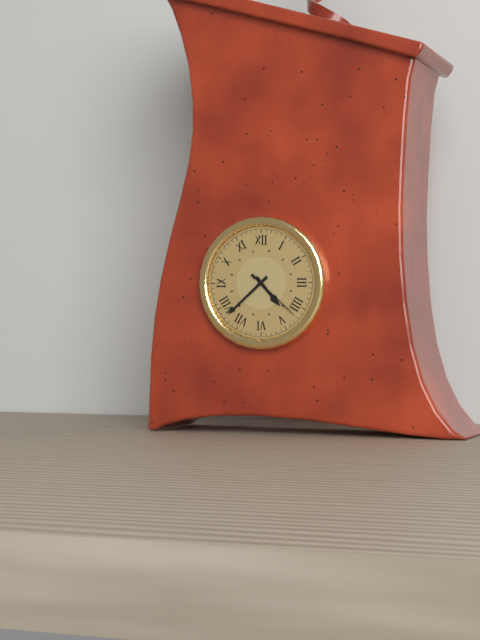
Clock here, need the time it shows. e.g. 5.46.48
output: 4.38.22
